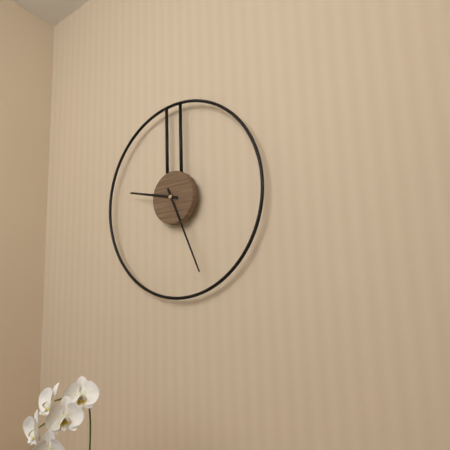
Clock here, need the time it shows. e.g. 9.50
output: 9.26
